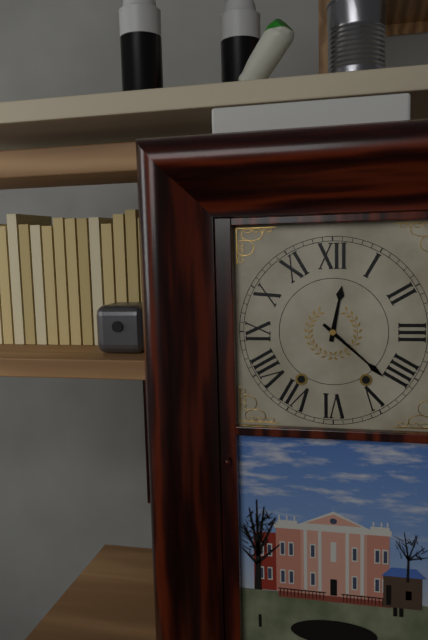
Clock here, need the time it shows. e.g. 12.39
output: 12.22
